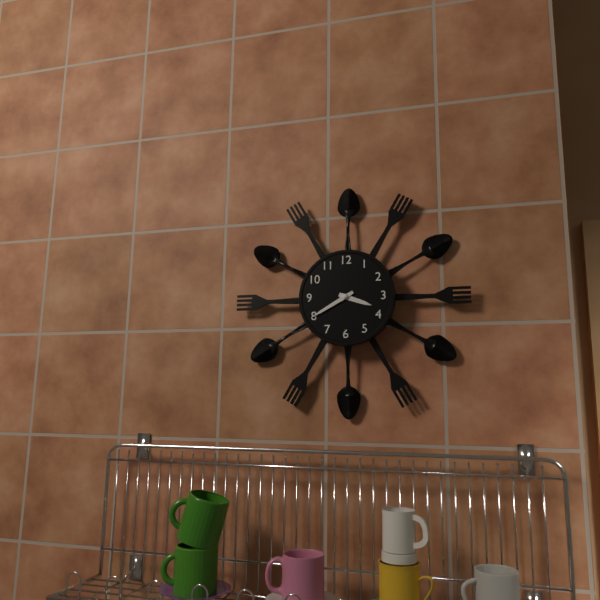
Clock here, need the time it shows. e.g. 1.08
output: 3.40
